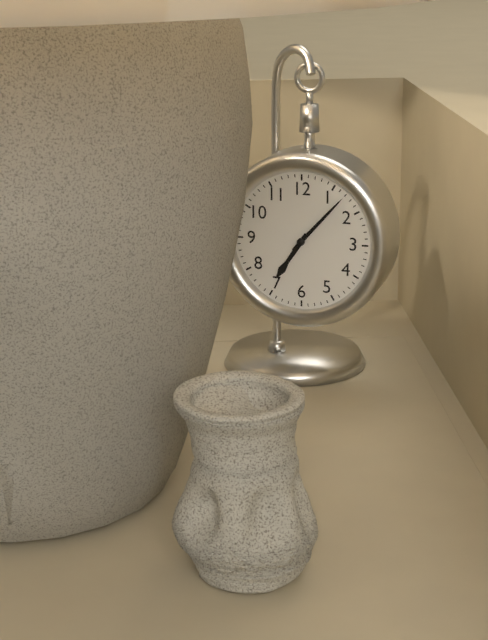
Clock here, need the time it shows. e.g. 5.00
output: 7.07
